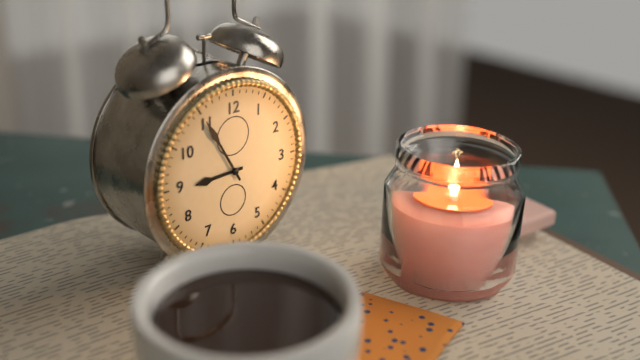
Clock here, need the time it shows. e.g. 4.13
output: 8.55
